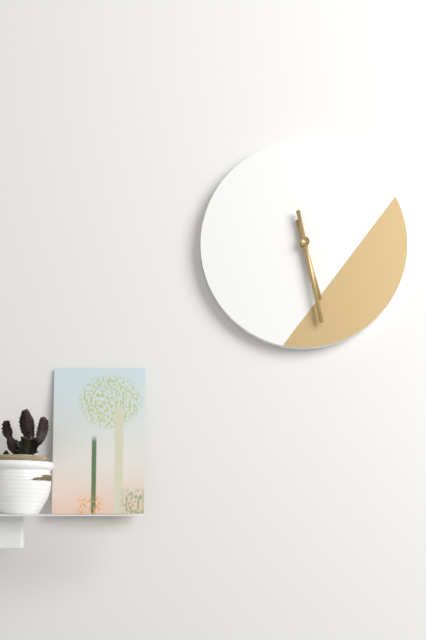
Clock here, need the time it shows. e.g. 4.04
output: 5.28
